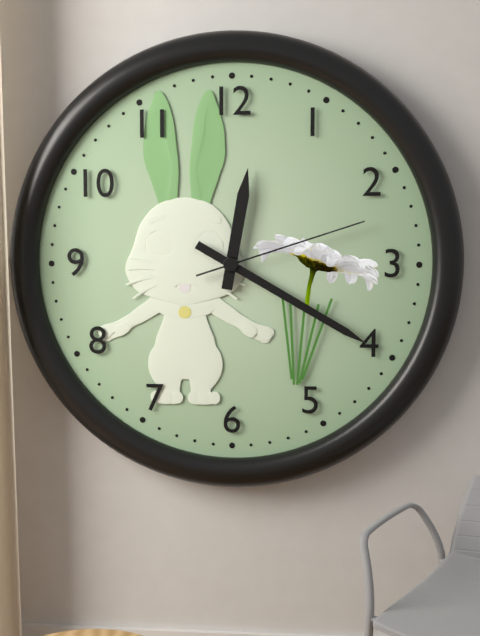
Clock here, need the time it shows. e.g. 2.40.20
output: 12.20.12
